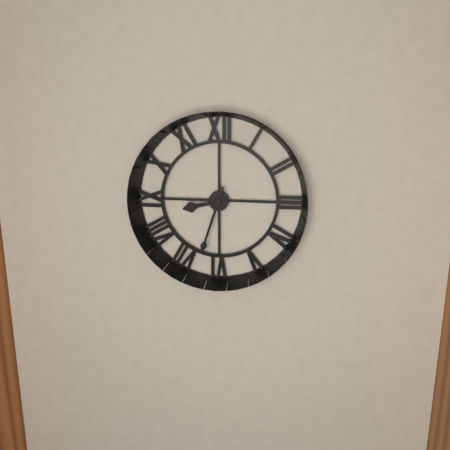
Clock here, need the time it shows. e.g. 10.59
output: 8.33
